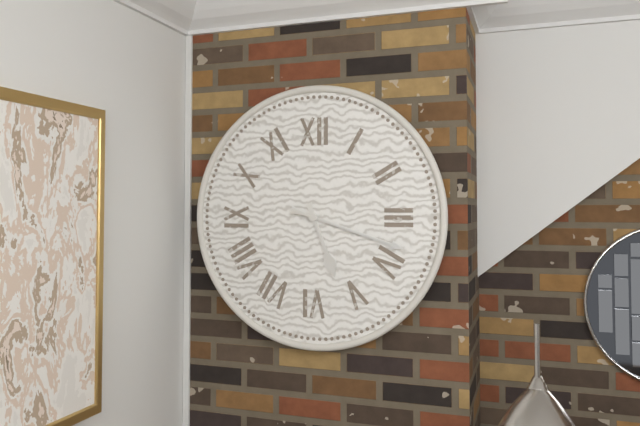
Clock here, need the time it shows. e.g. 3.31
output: 5.18
